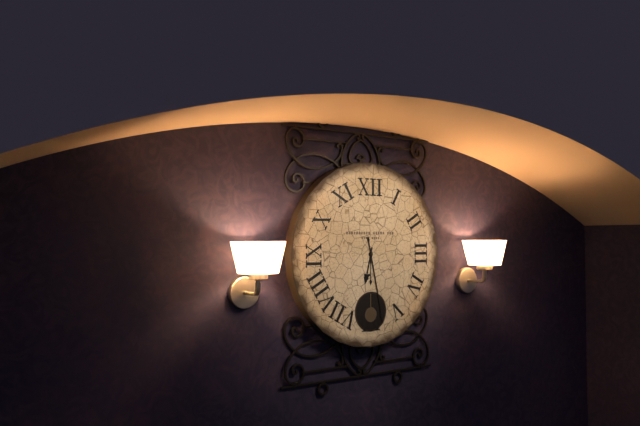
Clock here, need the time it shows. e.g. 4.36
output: 6.28
